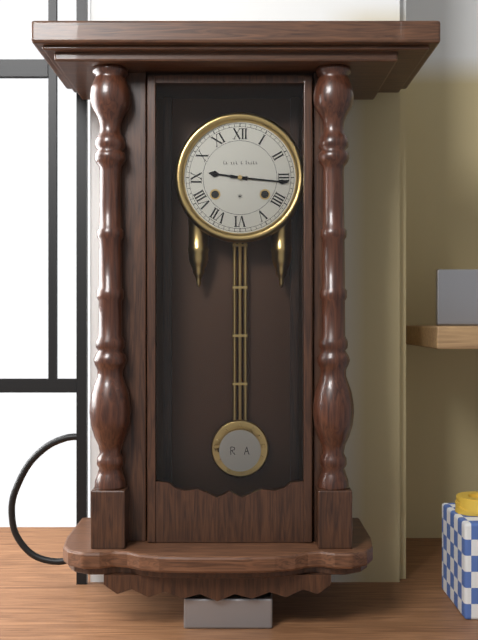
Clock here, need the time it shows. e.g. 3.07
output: 9.16
